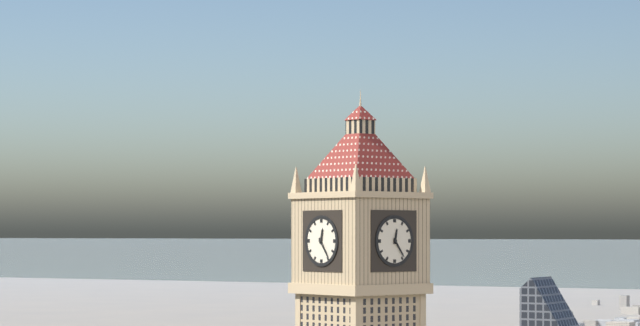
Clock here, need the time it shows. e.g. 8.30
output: 12.24
